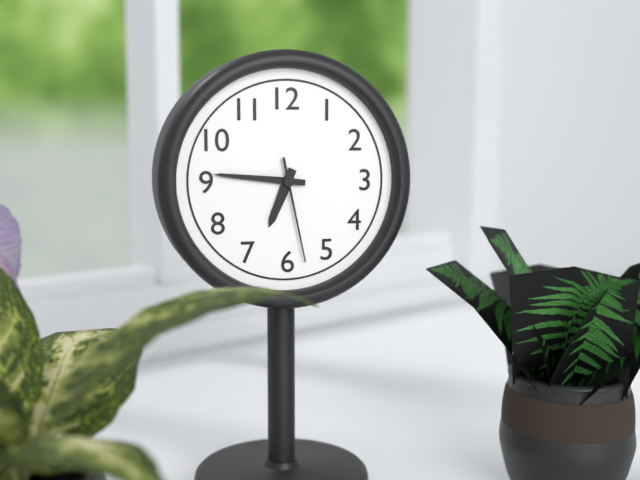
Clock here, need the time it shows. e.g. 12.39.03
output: 6.46.28
